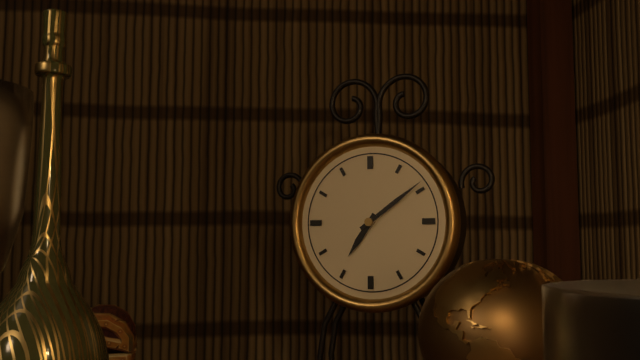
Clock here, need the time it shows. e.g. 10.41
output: 7.09
